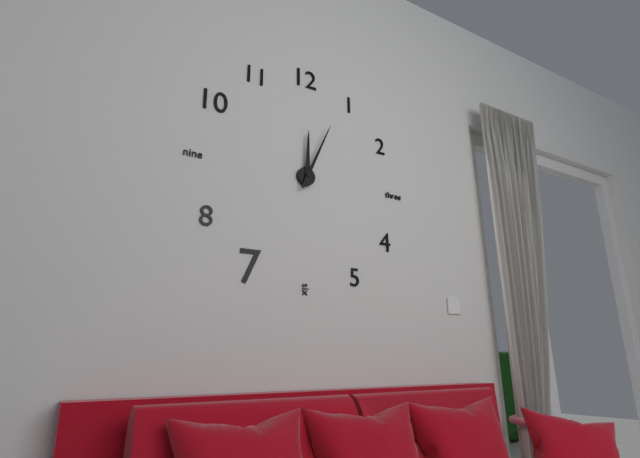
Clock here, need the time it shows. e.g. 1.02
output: 12.04
